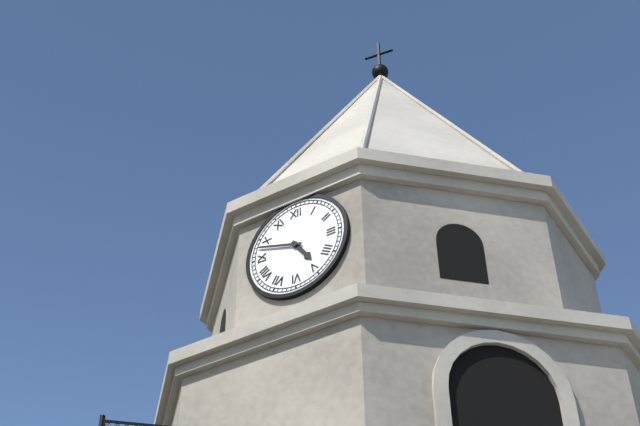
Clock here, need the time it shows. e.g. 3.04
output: 4.48
